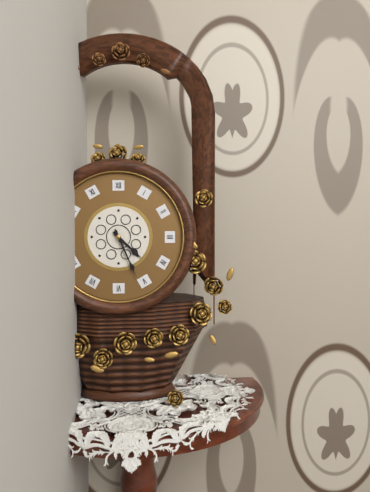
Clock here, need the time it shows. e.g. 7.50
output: 4.26
